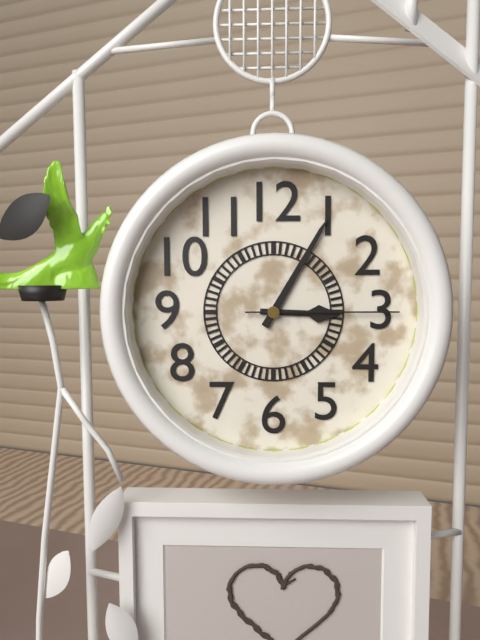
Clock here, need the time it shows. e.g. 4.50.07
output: 3.05.15
